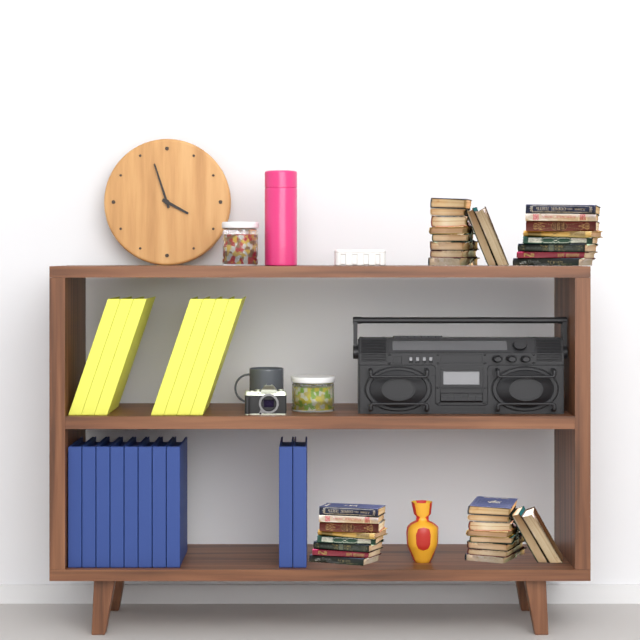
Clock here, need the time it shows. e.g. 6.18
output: 3.57
